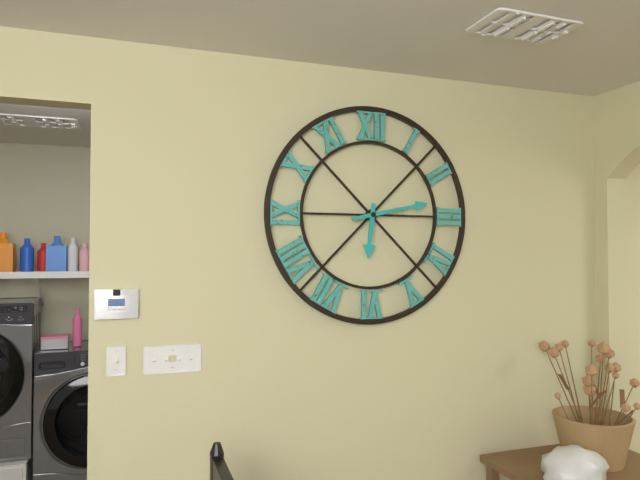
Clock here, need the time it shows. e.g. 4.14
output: 6.13
